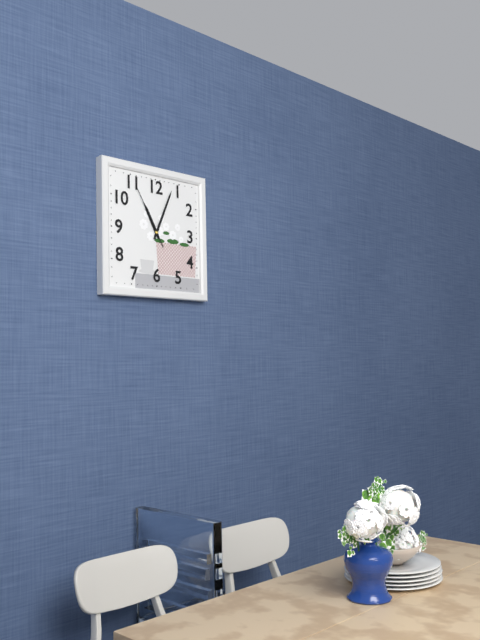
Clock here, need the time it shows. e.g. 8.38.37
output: 11.04.55
